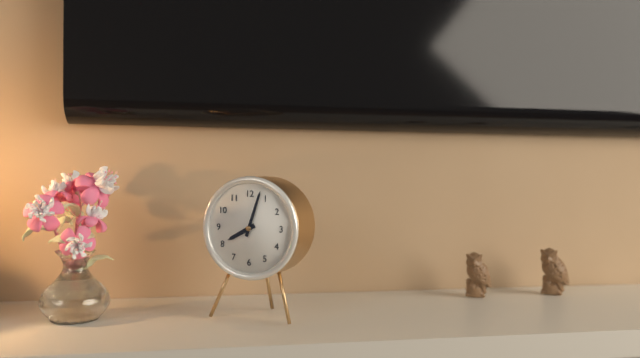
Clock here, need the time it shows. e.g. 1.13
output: 8.03
